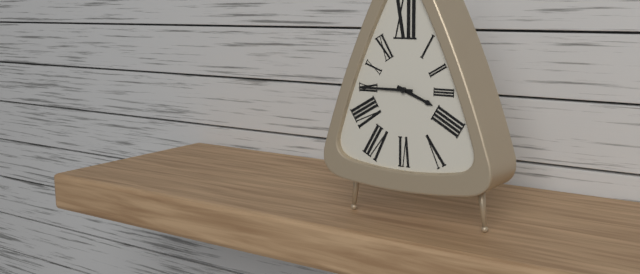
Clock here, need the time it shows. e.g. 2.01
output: 3.45
